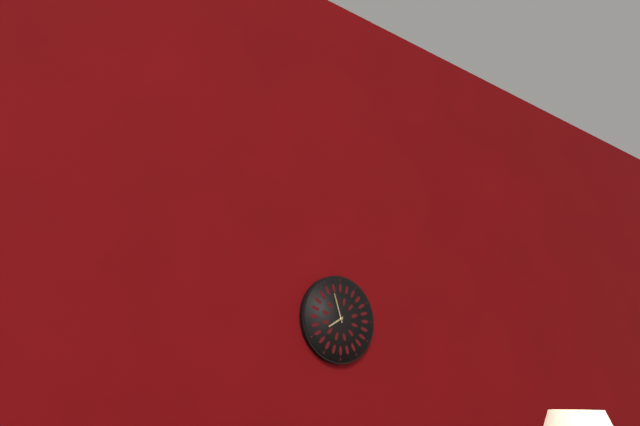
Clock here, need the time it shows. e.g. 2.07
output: 7.57
